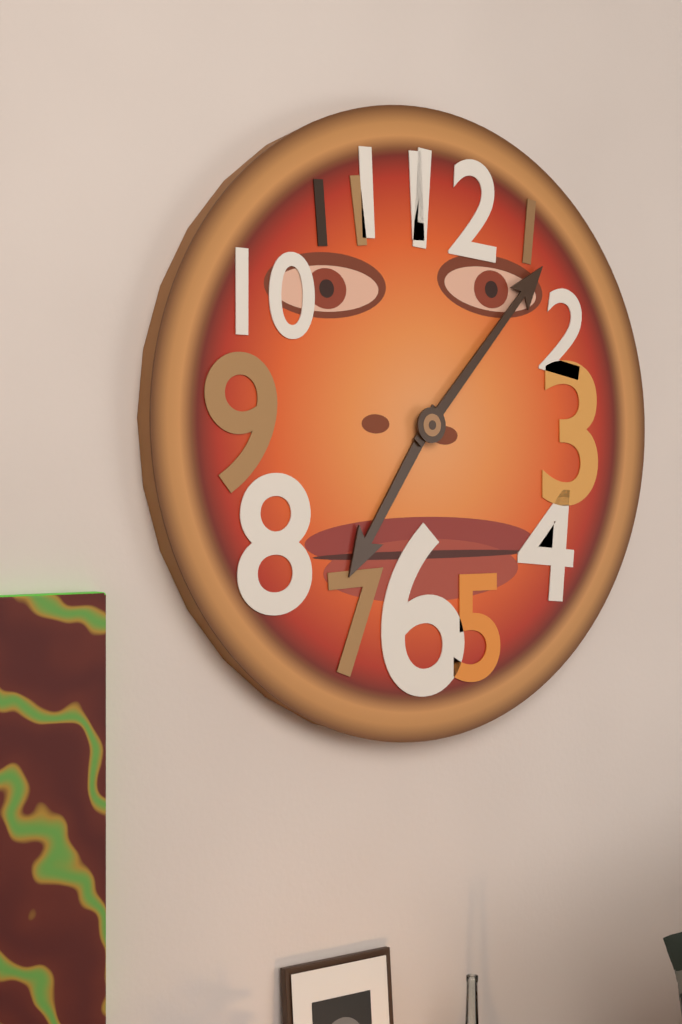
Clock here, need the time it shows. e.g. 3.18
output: 7.07
